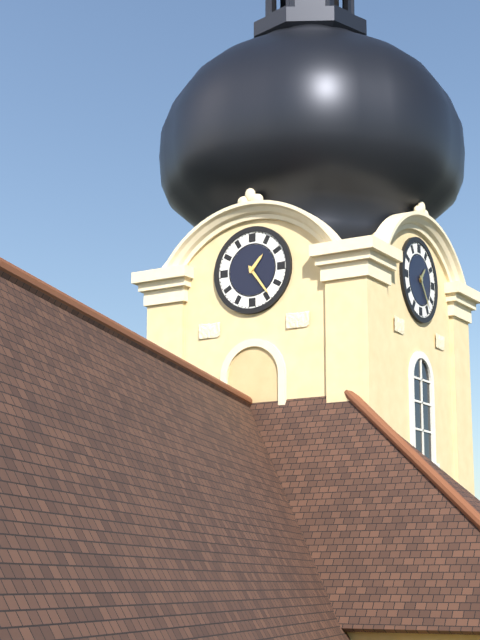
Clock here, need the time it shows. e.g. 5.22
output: 1.24
